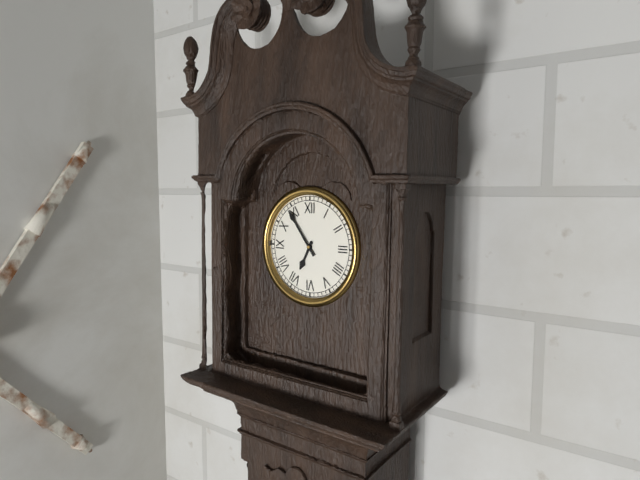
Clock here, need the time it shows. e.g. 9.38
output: 6.54
